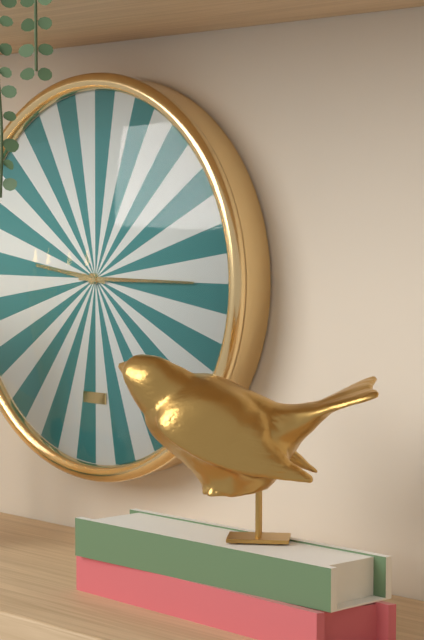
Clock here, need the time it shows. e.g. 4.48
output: 9.15
